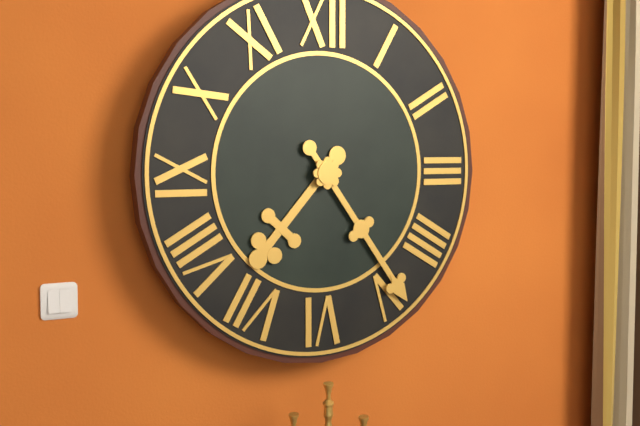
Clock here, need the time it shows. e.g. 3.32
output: 7.24
